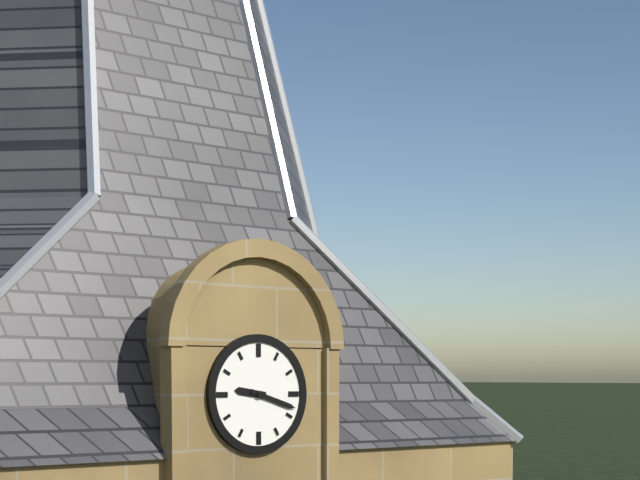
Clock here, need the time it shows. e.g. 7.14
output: 9.18
